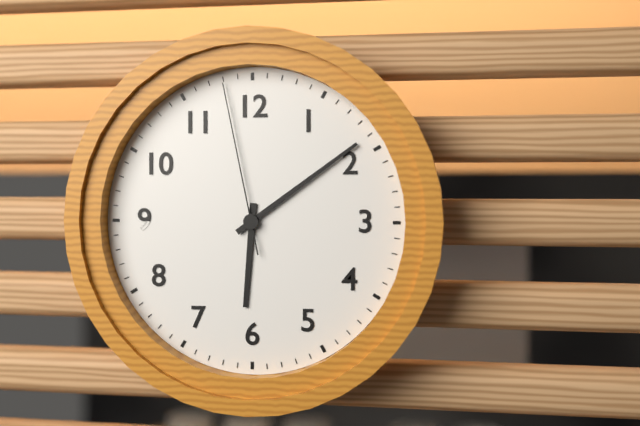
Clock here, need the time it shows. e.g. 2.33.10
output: 6.09.58
